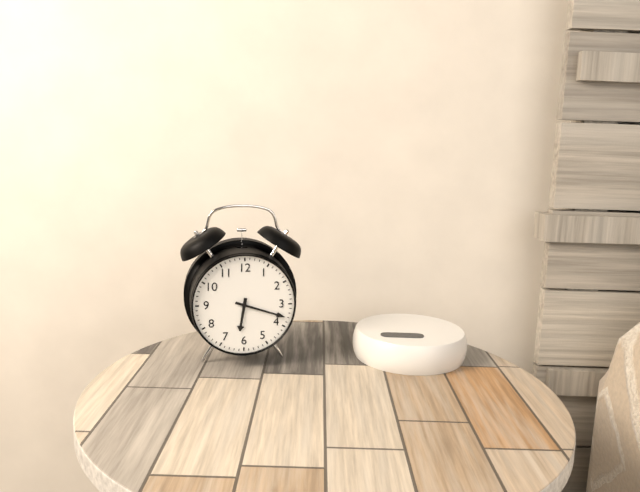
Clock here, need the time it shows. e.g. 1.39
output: 6.18
